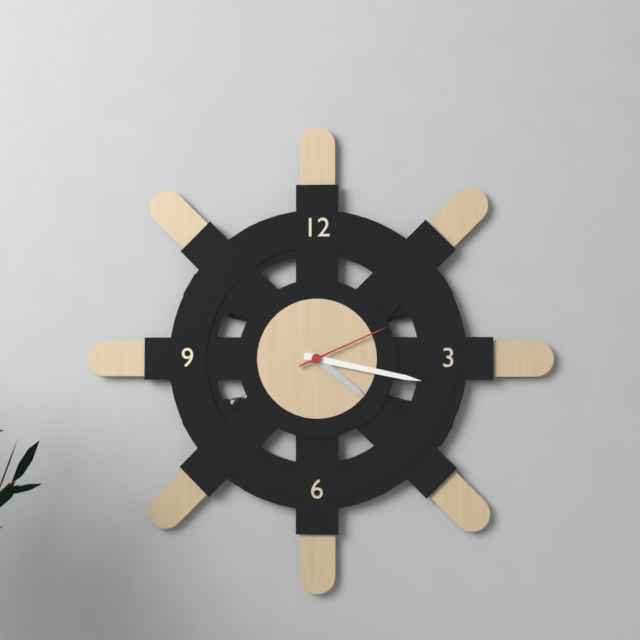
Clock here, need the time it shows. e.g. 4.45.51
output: 4.17.11
